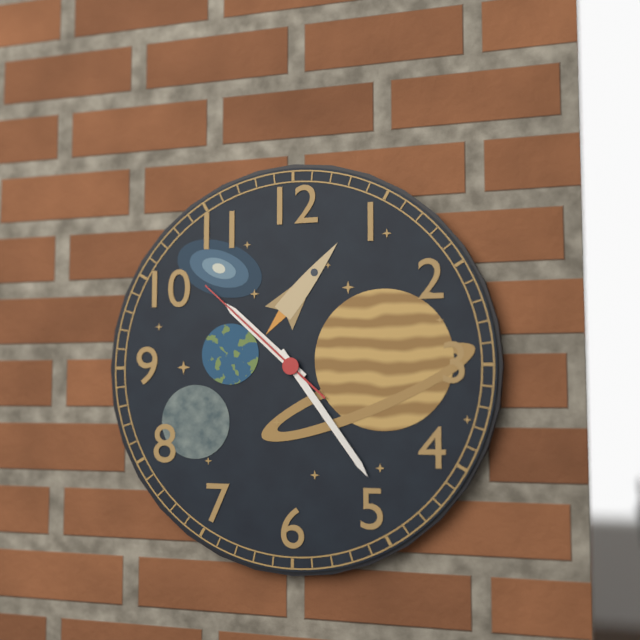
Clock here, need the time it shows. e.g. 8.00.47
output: 10.24.52
